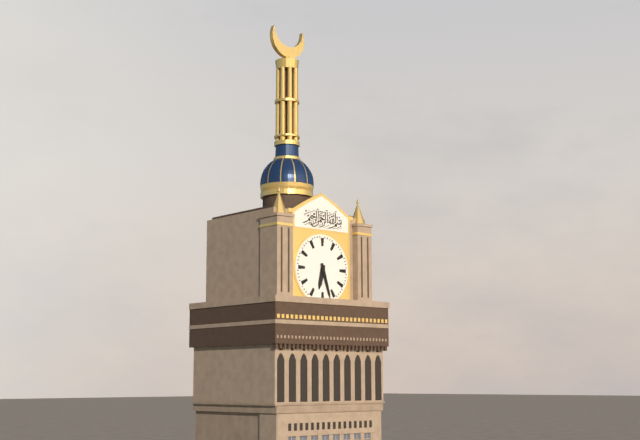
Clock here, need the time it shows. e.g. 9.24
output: 6.27
